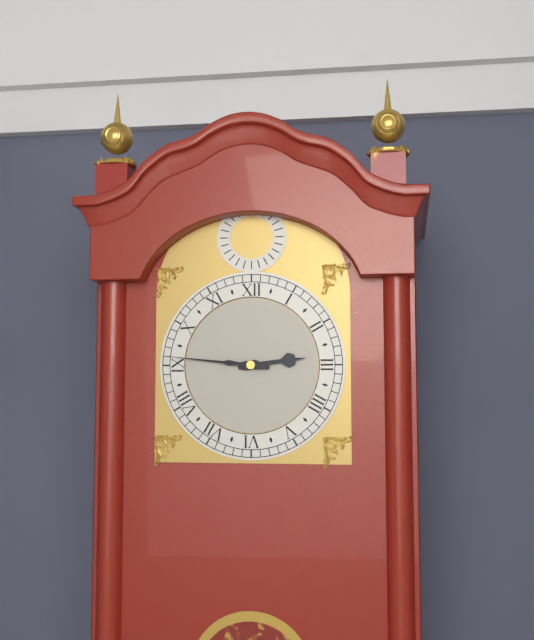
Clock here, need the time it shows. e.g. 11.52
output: 2.46
